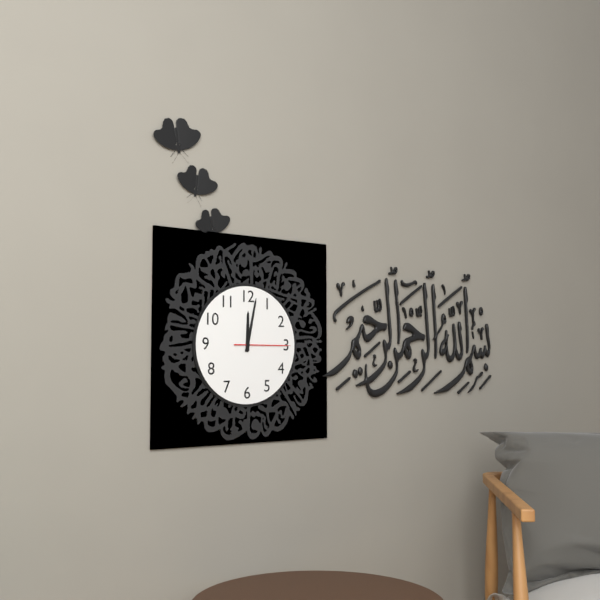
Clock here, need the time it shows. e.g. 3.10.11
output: 12.02.15
